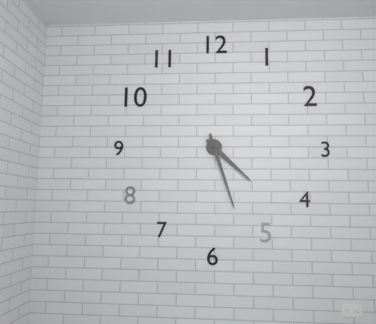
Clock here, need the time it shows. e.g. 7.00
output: 4.27
